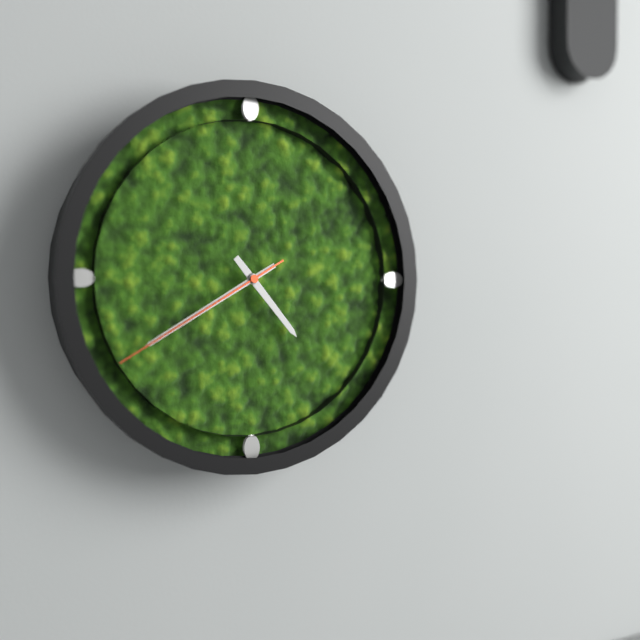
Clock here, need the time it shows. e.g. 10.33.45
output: 4.40.40
